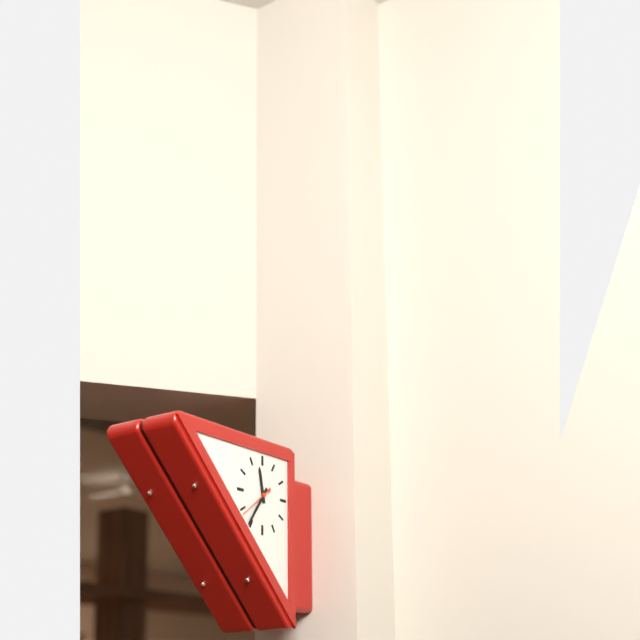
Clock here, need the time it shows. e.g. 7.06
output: 11.36
